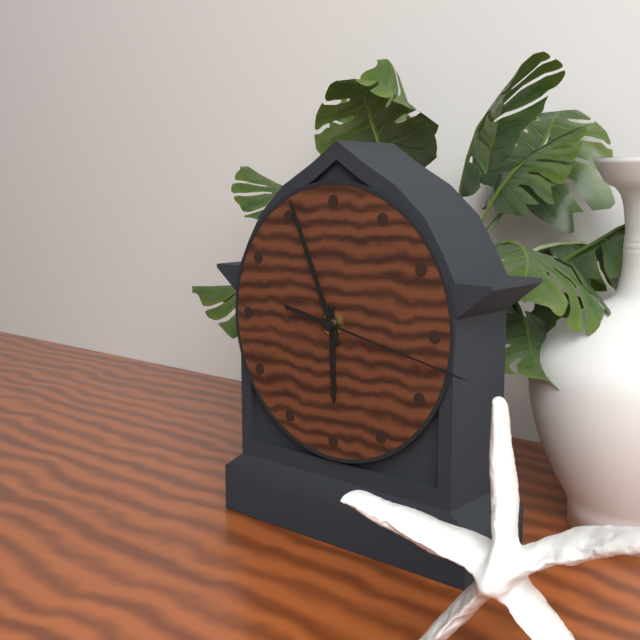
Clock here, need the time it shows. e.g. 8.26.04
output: 5.56.17
